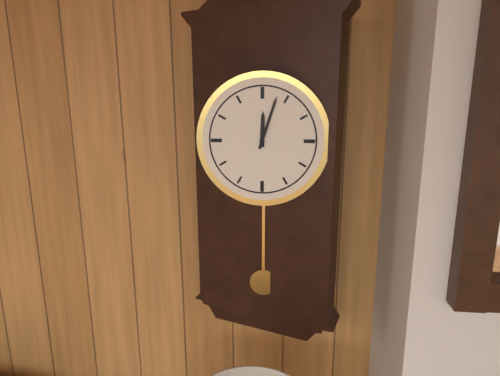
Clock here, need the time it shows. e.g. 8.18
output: 12.03
